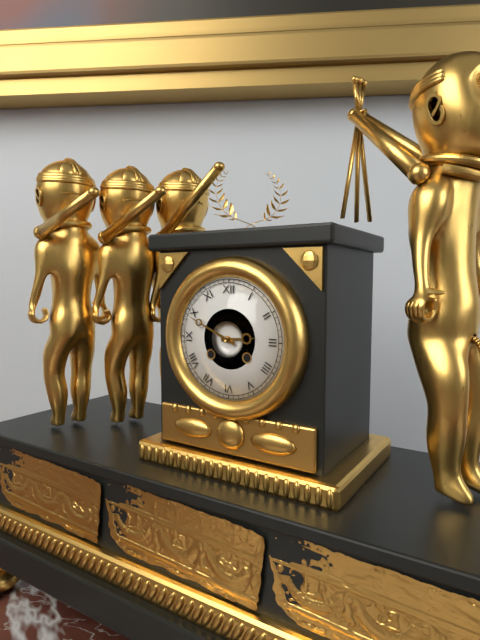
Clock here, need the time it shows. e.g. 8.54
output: 2.49
